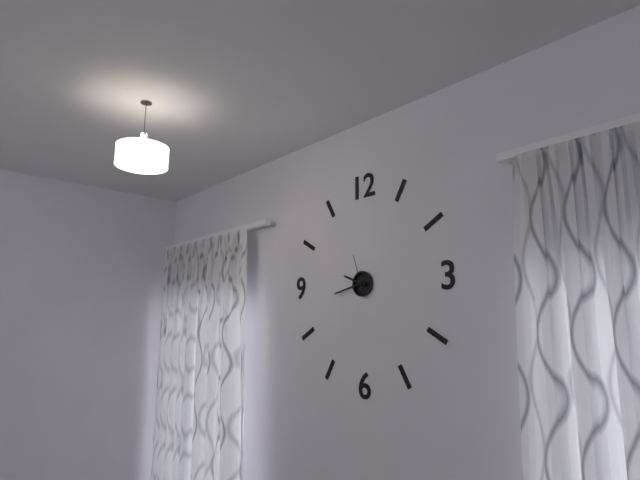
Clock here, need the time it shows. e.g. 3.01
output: 9.43
